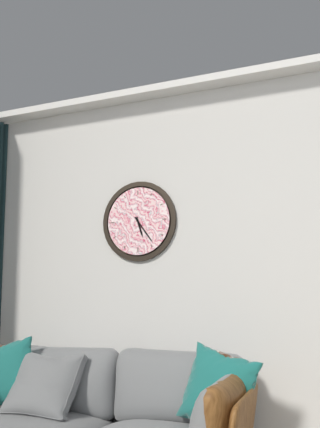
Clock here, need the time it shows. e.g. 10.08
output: 5.24
